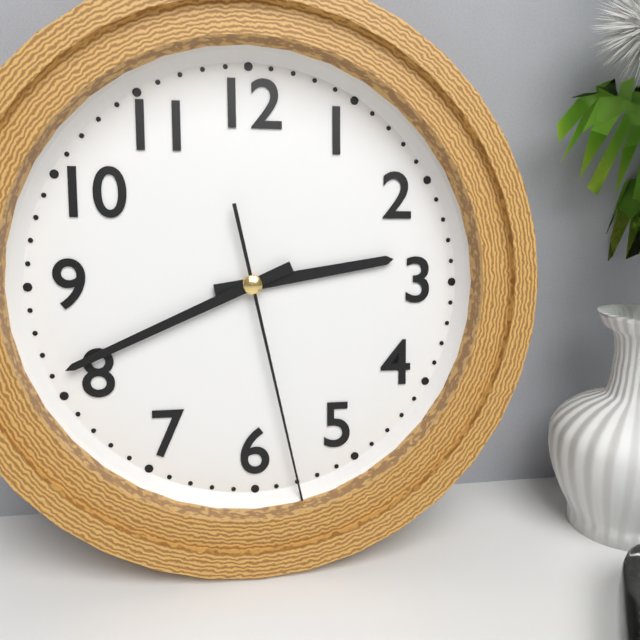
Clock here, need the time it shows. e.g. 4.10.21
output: 2.41.28
